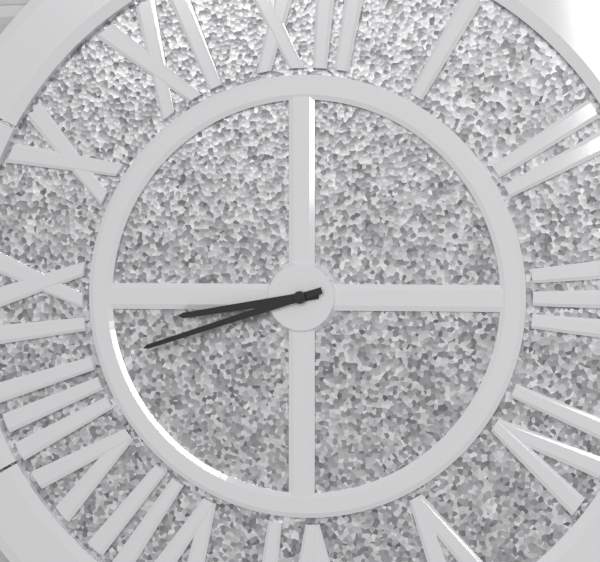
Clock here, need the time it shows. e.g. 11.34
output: 8.42
